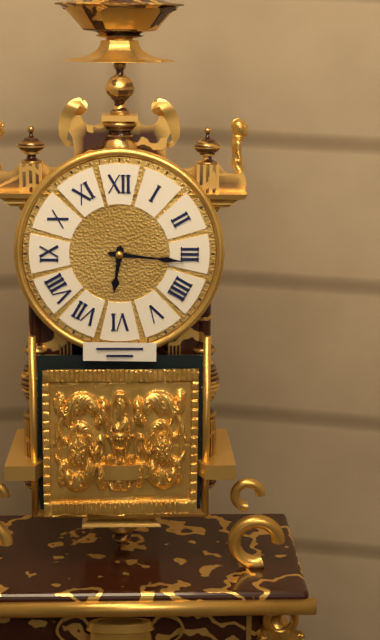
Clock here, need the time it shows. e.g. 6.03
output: 6.16
